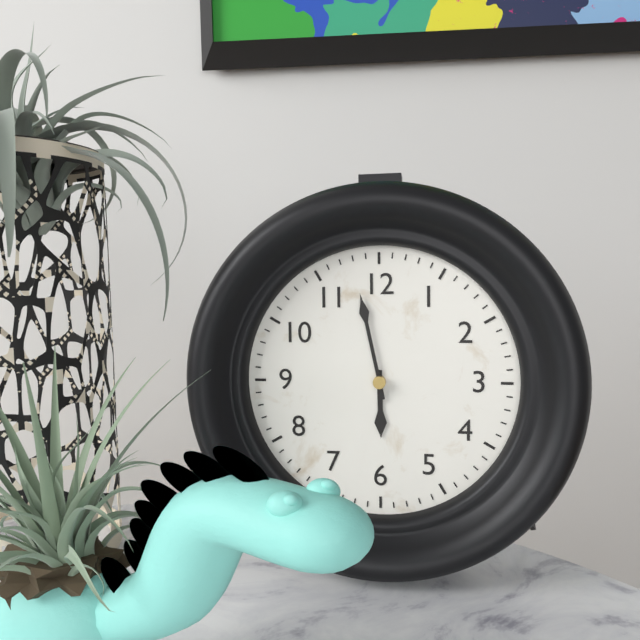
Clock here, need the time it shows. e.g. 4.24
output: 5.58
